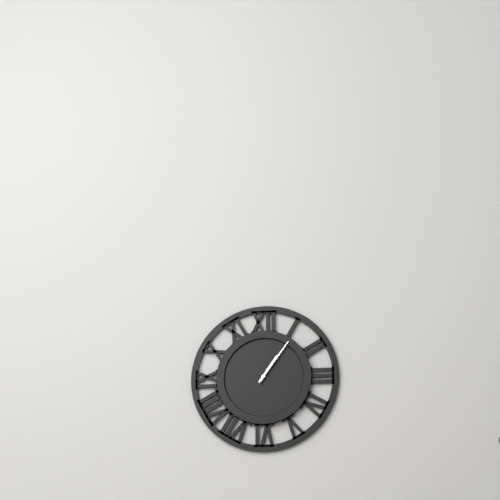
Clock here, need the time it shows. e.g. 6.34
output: 1.06
